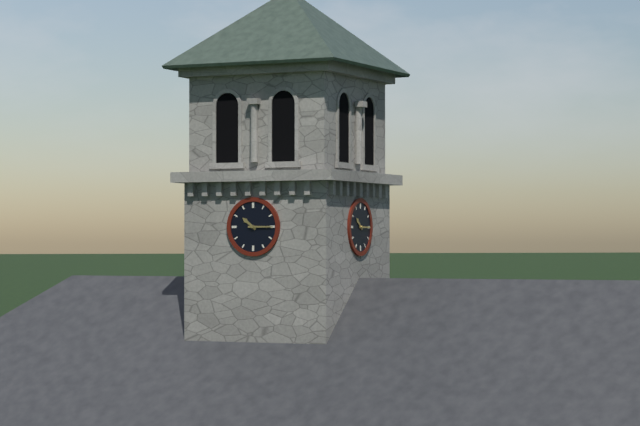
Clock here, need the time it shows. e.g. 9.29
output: 10.15
